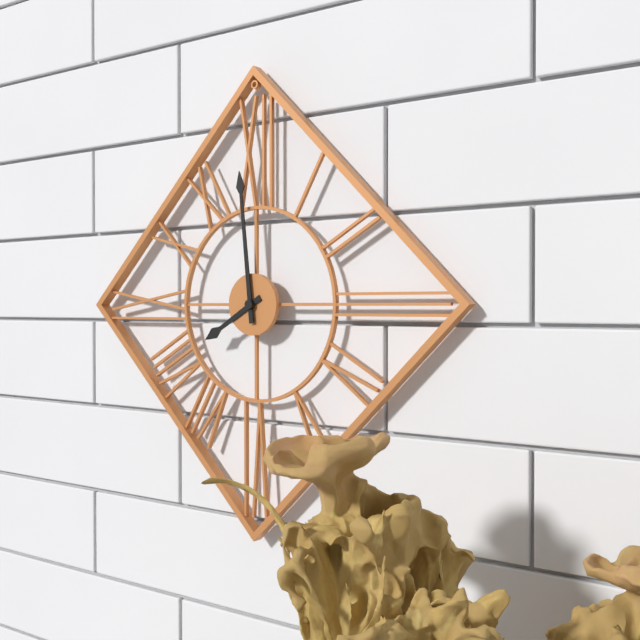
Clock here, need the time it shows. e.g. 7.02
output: 7.59
